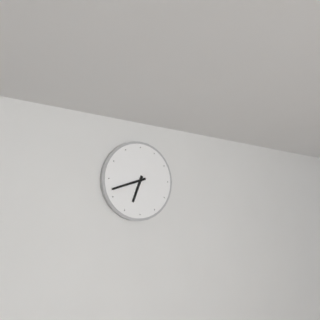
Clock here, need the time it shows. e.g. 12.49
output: 6.42
